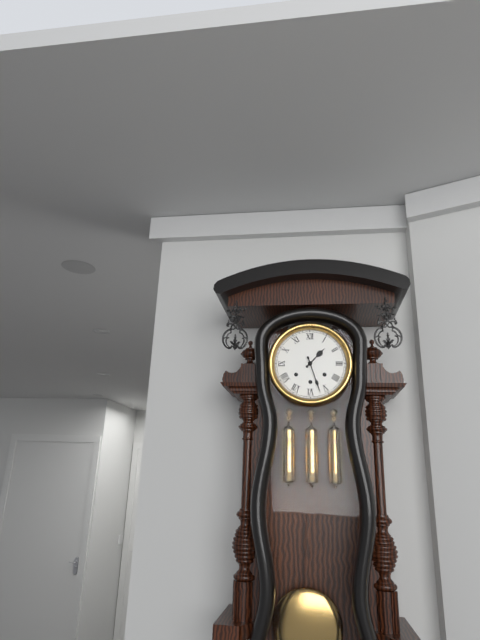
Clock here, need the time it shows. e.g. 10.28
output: 1.27
